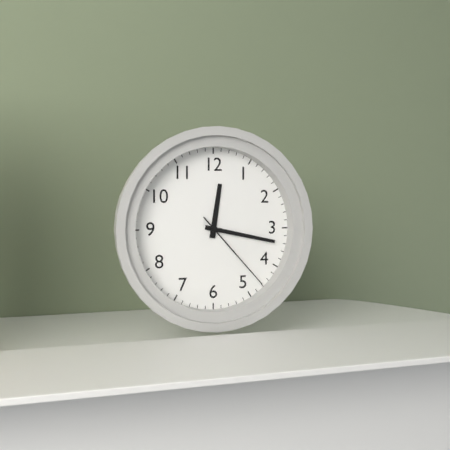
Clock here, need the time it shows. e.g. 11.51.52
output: 12.17.23
